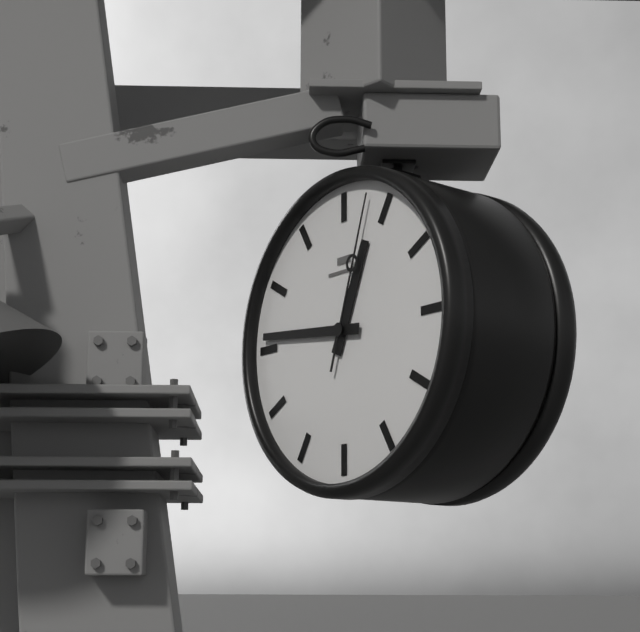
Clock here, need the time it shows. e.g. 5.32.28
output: 12.46.03
